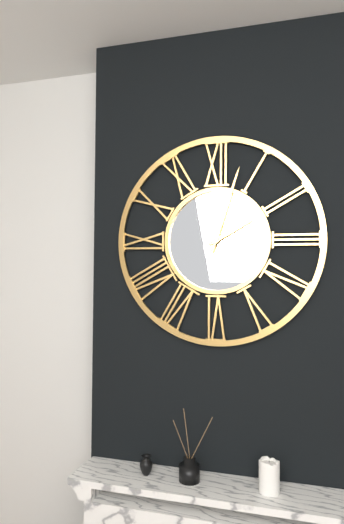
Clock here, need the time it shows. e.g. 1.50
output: 2.03
